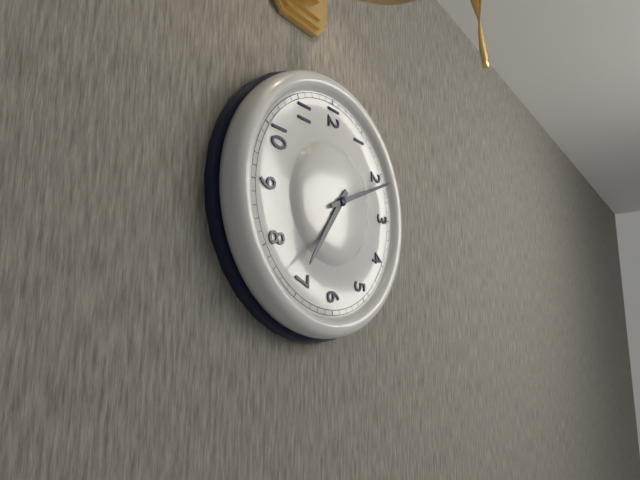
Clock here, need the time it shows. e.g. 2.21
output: 7.11
